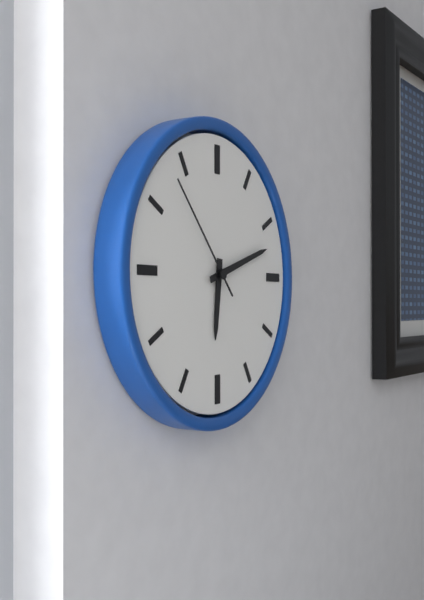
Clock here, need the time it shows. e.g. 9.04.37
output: 6.12.53
